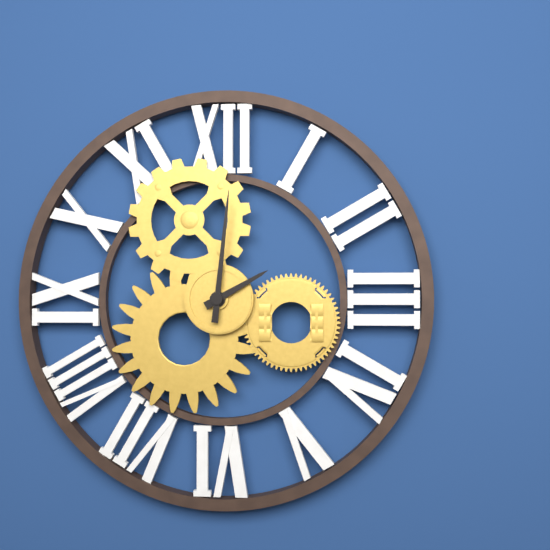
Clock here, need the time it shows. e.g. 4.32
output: 2.01
